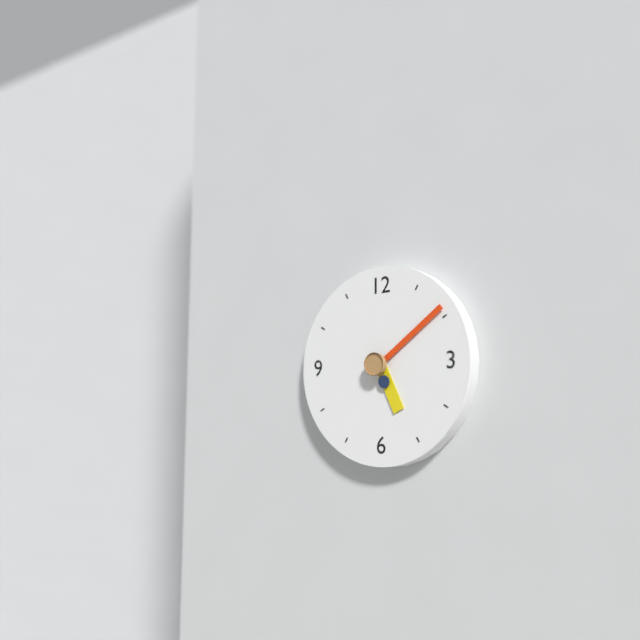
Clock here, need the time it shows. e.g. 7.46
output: 5.09
